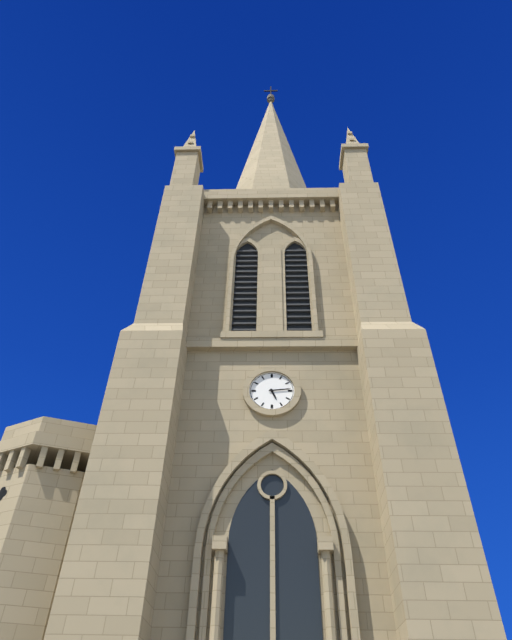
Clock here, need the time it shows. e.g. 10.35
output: 5.14
